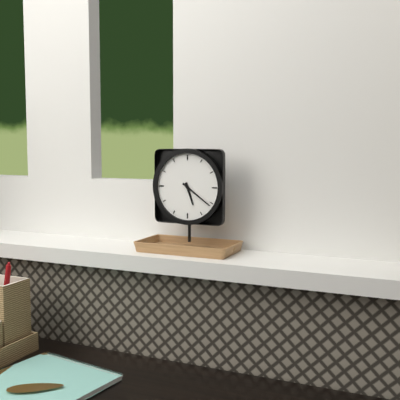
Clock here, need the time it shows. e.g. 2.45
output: 5.21
